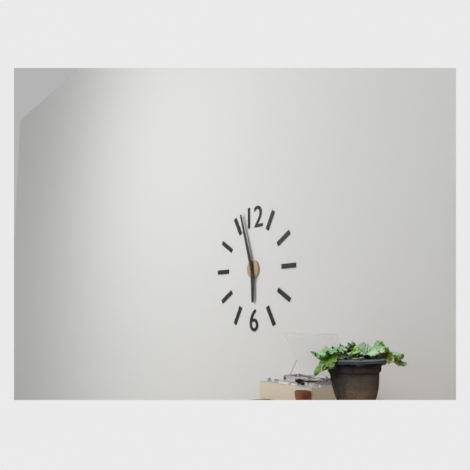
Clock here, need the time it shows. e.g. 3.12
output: 5.57
